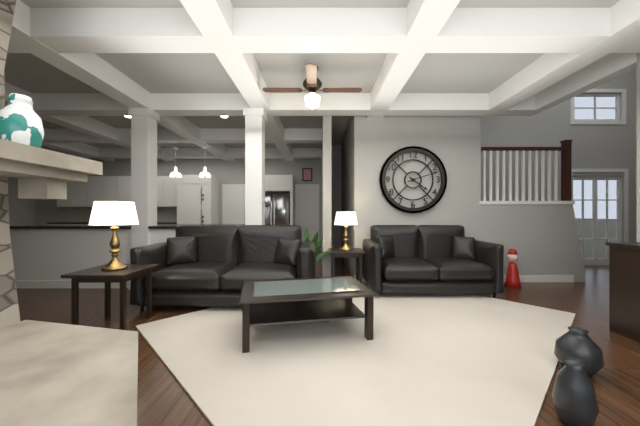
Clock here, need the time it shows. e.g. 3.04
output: 4.12
